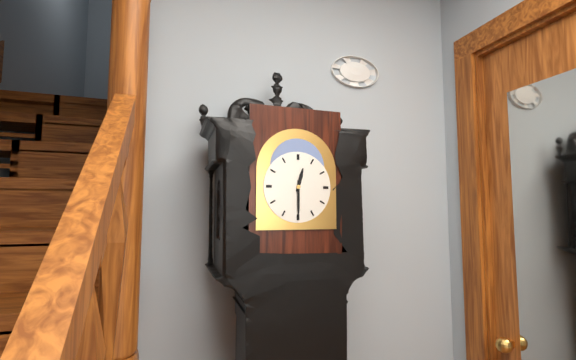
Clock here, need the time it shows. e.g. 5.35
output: 12.30
